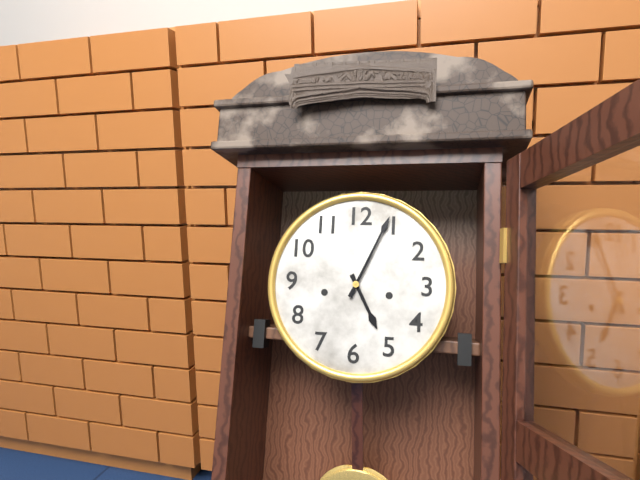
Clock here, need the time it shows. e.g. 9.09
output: 5.04
